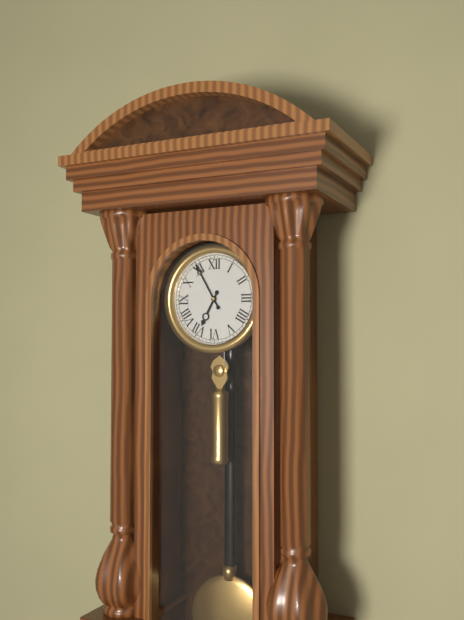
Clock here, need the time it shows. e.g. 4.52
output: 6.55
